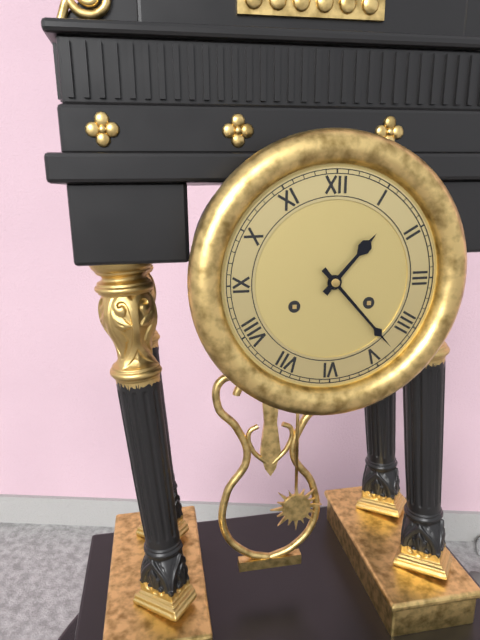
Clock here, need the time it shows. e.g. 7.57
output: 1.23
